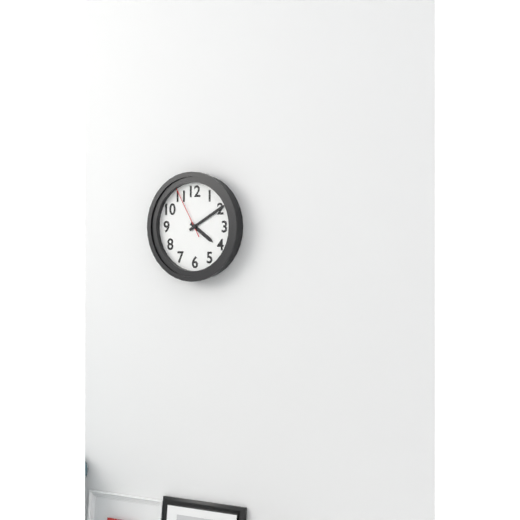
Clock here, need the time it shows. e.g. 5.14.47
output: 4.10.55
